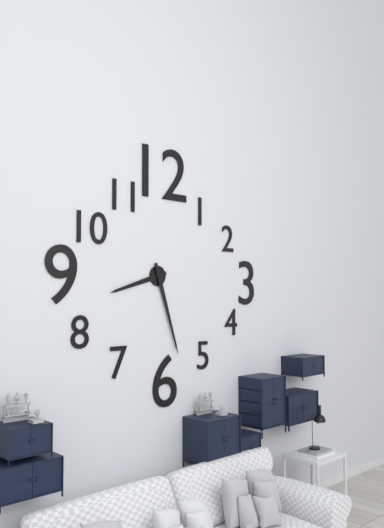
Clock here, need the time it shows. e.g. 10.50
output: 8.27
